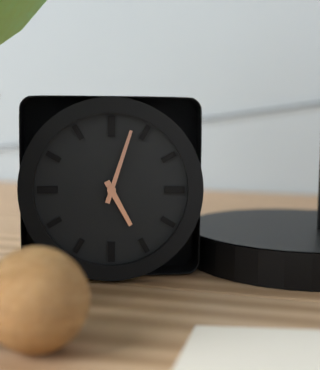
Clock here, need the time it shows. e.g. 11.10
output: 5.03
